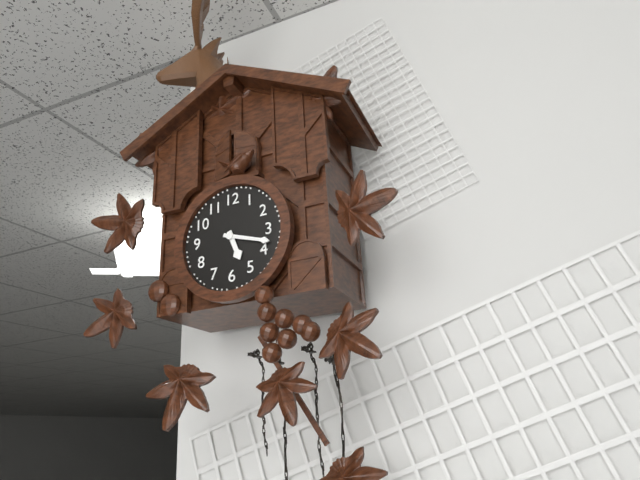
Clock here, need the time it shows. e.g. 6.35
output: 5.18
